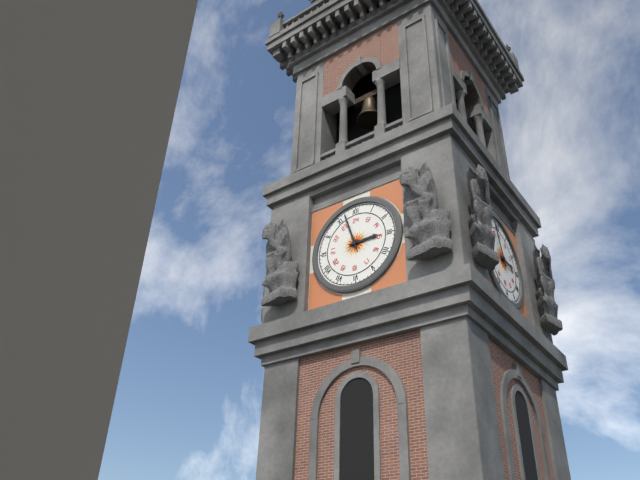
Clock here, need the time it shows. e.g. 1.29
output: 2.57
